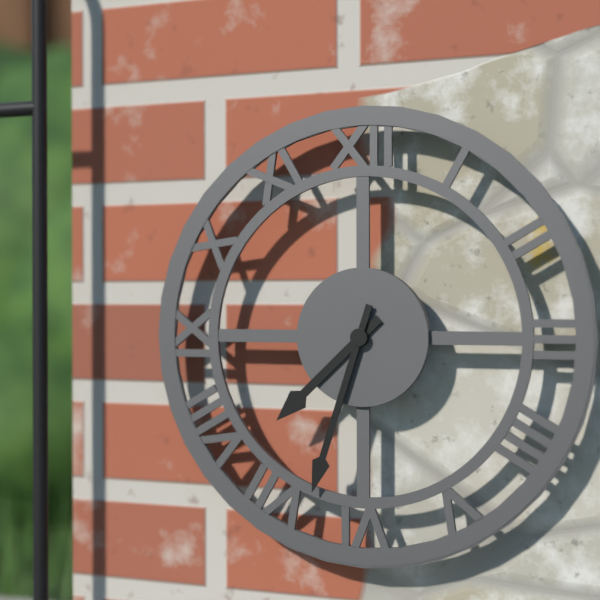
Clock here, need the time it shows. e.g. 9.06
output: 7.33
